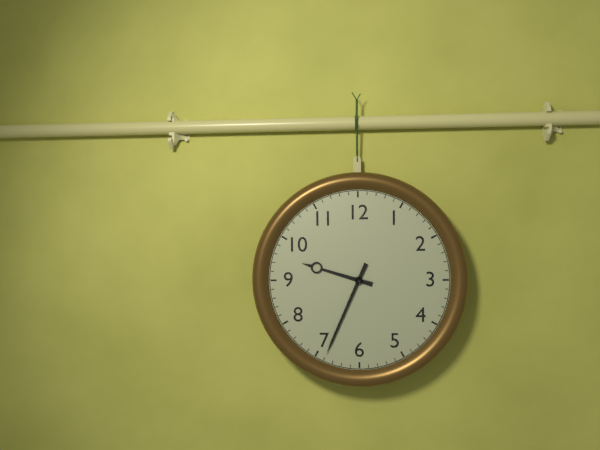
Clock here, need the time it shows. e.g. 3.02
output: 9.34
